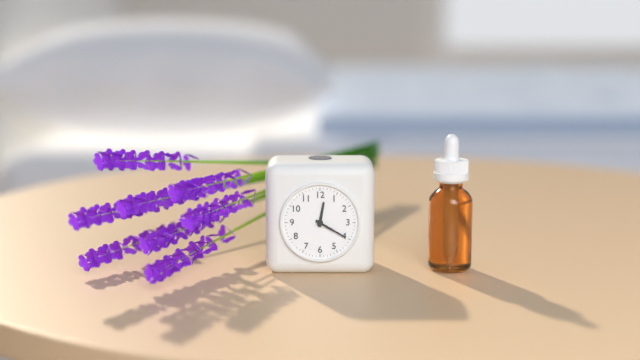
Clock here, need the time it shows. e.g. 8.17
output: 12.20
